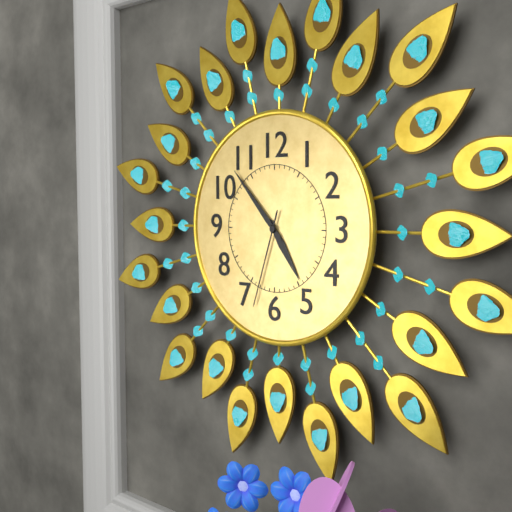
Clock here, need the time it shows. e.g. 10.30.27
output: 4.53.33
